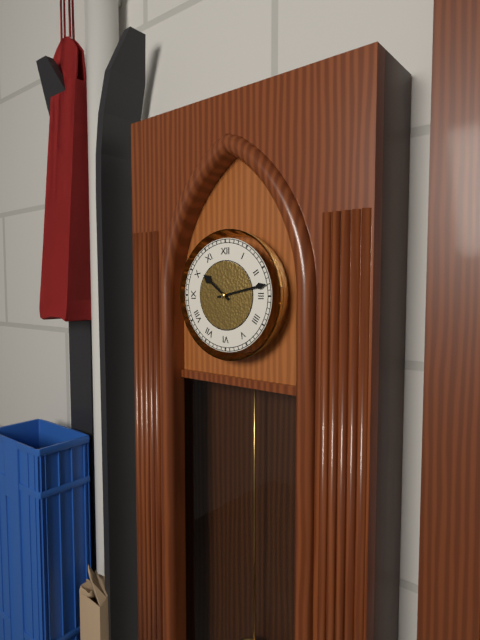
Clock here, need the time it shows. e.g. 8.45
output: 10.13
